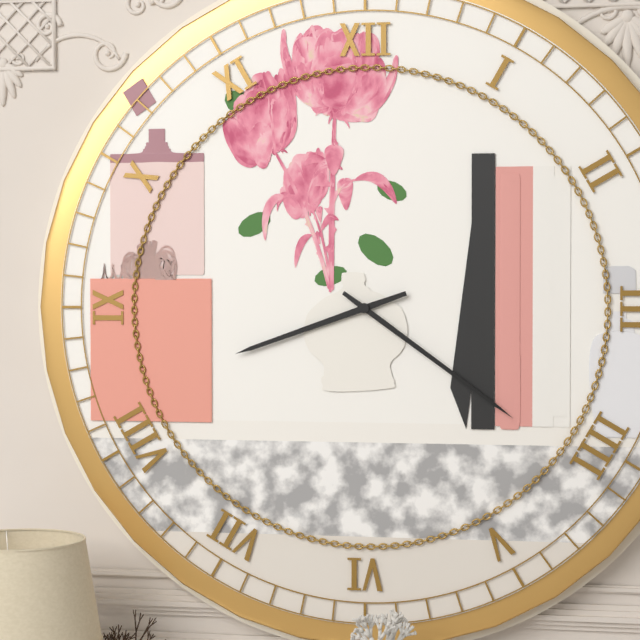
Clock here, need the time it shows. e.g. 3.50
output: 8.21
